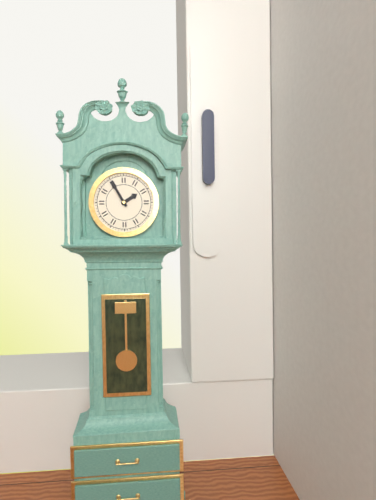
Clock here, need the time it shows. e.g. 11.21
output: 1.55
